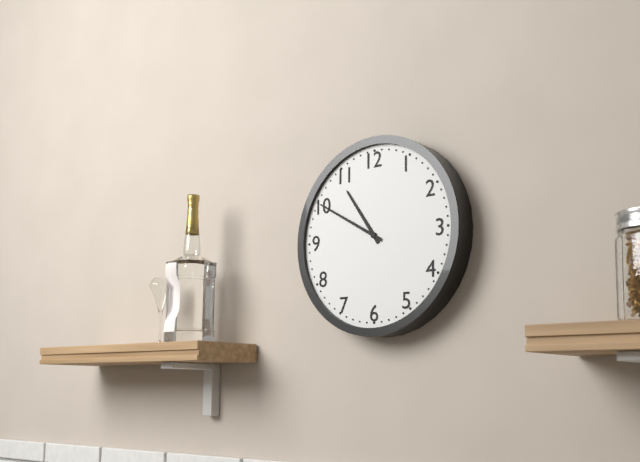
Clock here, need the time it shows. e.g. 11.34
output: 10.50
